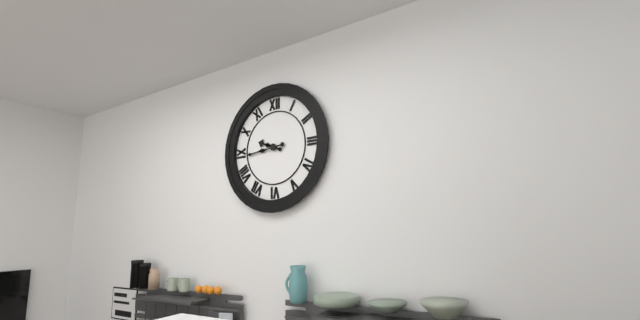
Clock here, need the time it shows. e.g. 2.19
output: 9.44
